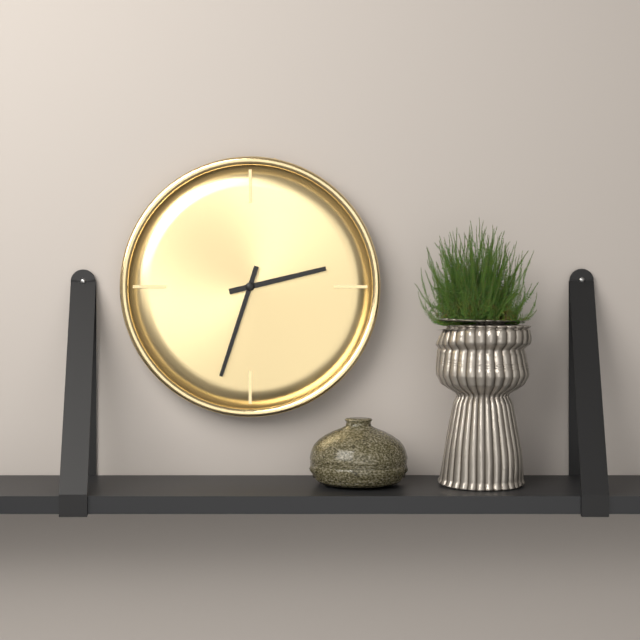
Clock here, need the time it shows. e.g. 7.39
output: 2.33
